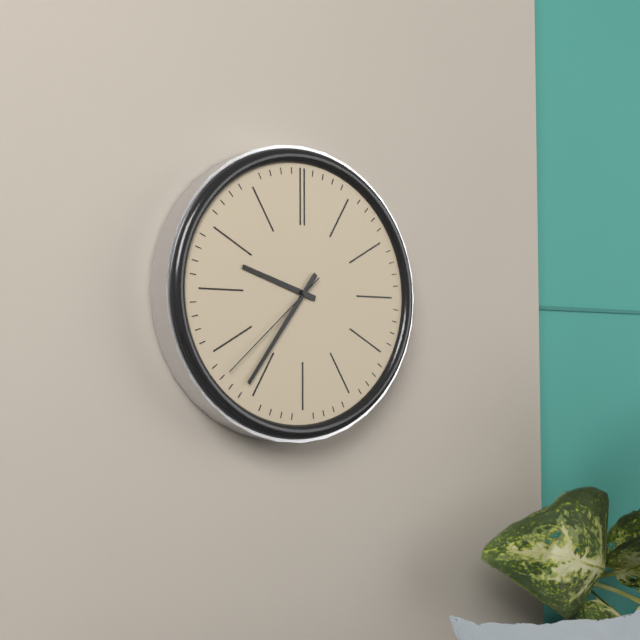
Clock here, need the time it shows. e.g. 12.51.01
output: 9.36.38
